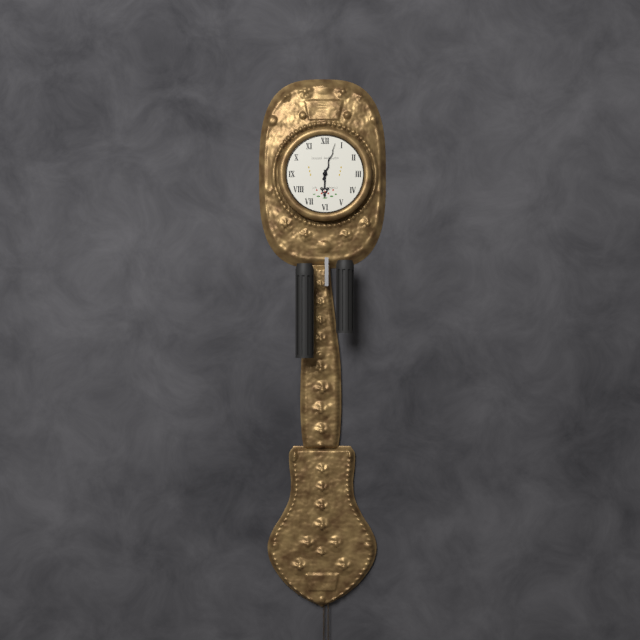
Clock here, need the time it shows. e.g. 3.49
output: 6.03
